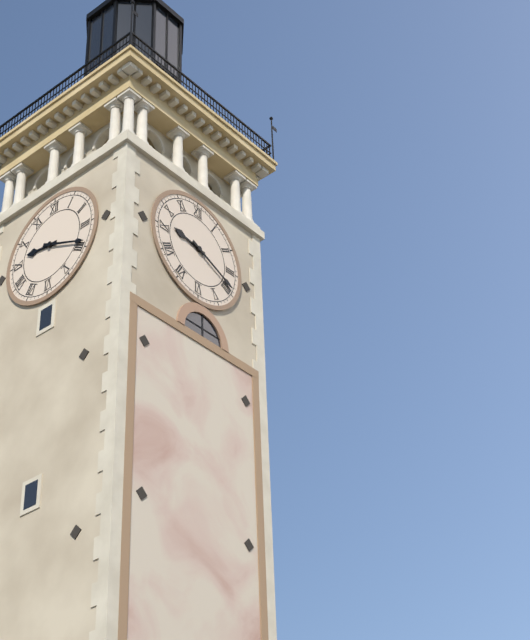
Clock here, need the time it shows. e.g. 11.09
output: 9.19
